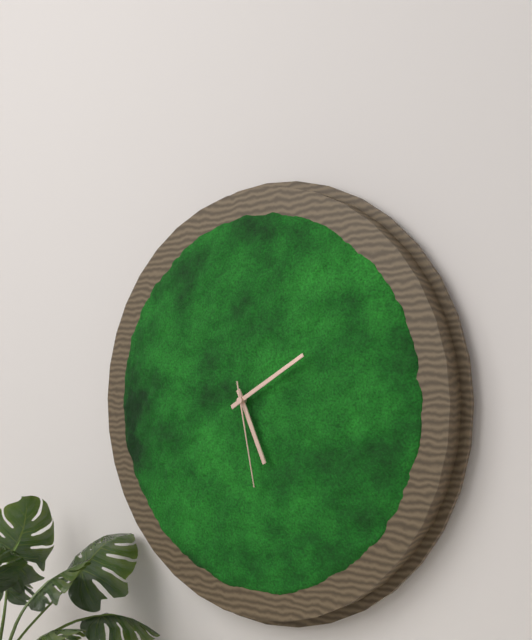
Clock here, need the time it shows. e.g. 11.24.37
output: 5.10.28
